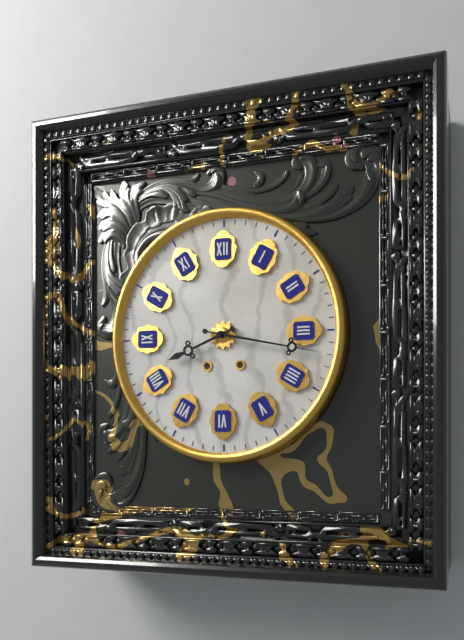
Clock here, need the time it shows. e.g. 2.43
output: 8.17
